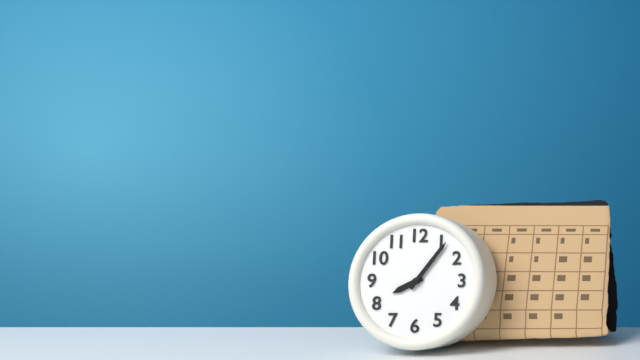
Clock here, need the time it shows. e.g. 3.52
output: 8.06
